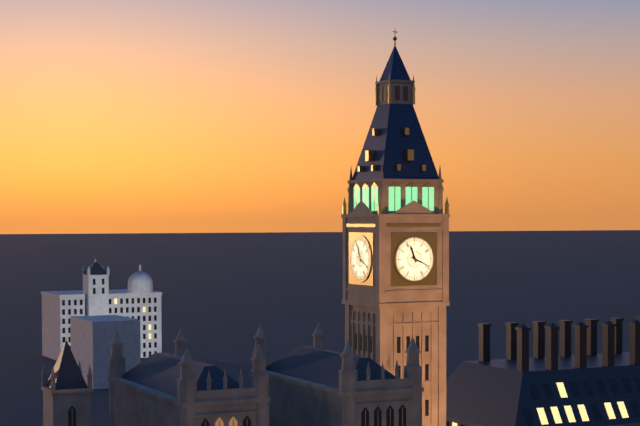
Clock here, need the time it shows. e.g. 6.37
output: 11.19
